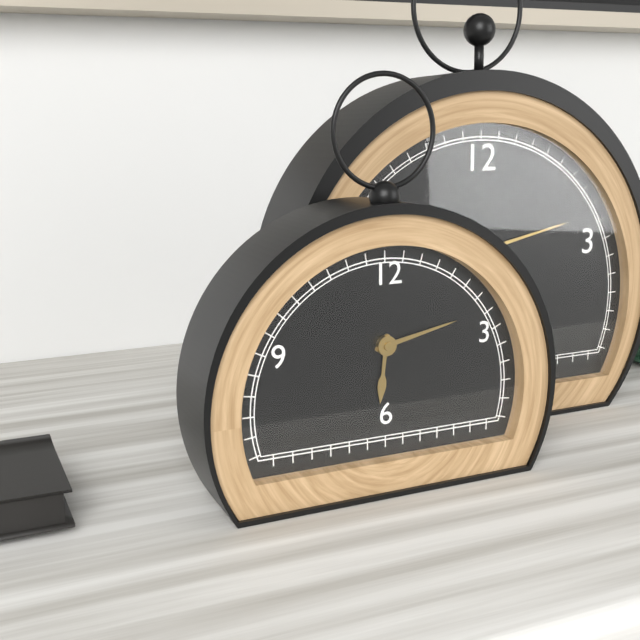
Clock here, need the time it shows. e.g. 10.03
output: 6.13
